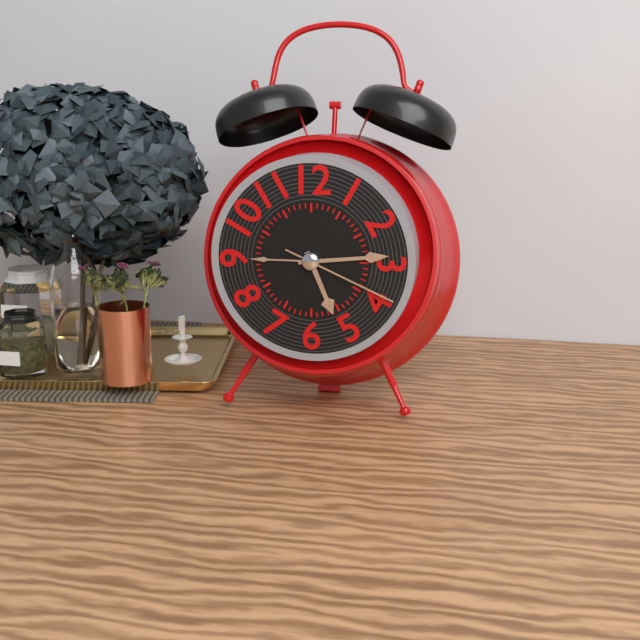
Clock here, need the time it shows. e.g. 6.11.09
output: 5.14.19
